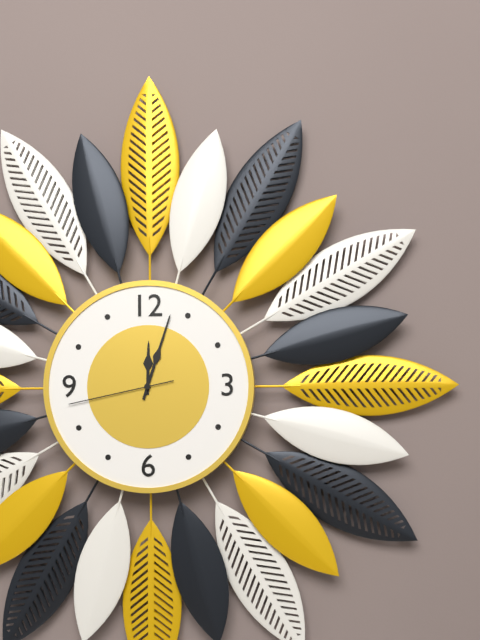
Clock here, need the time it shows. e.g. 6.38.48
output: 12.03.43
